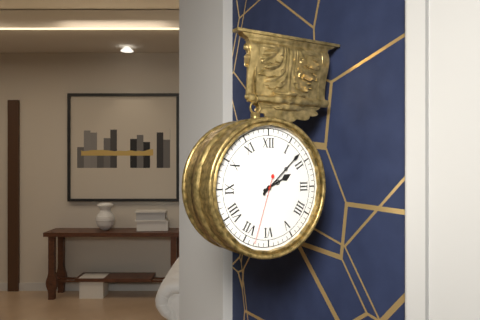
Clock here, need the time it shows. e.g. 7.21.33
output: 2.08.33
